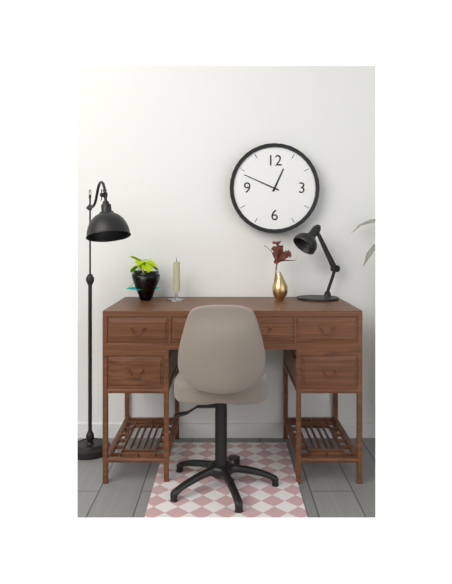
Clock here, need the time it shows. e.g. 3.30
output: 12.49
